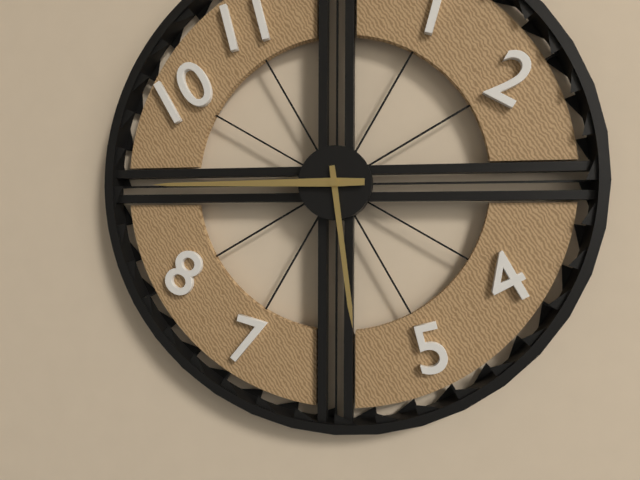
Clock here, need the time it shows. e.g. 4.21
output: 5.45
